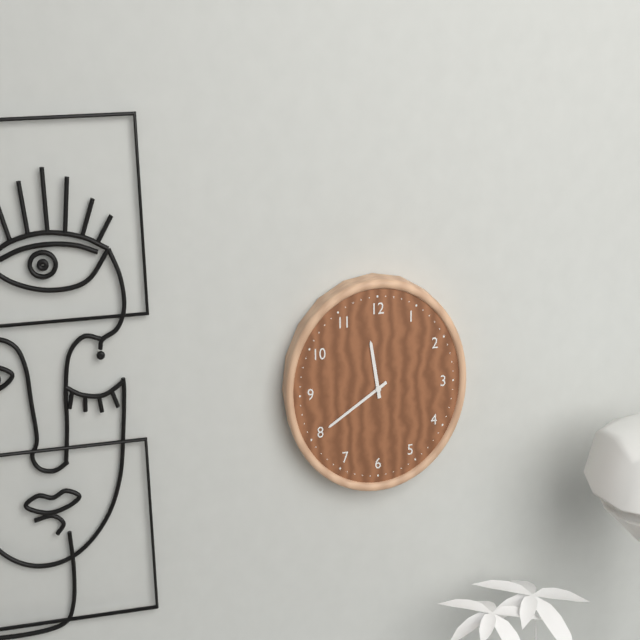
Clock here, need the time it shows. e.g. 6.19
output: 11.40
